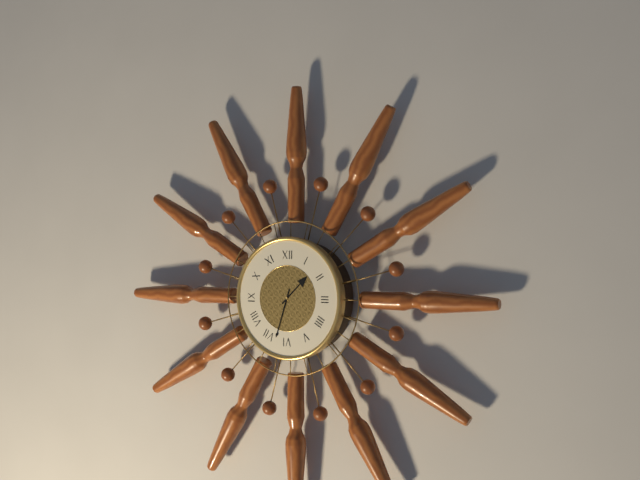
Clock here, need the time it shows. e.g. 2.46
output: 1.33
